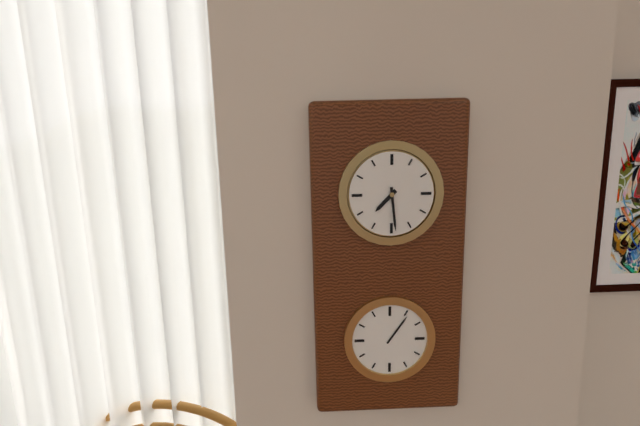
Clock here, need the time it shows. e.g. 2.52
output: 7.29
